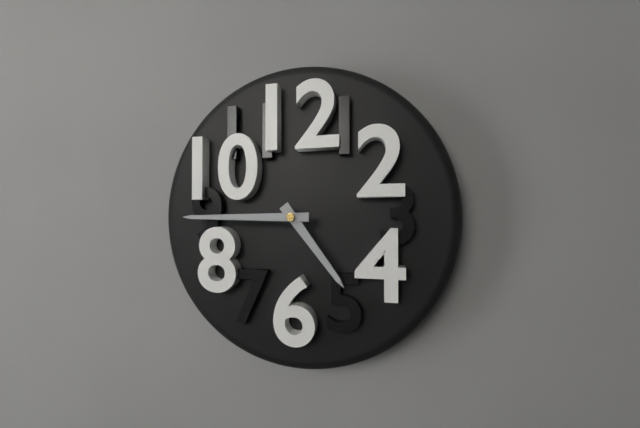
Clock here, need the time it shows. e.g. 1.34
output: 4.45
